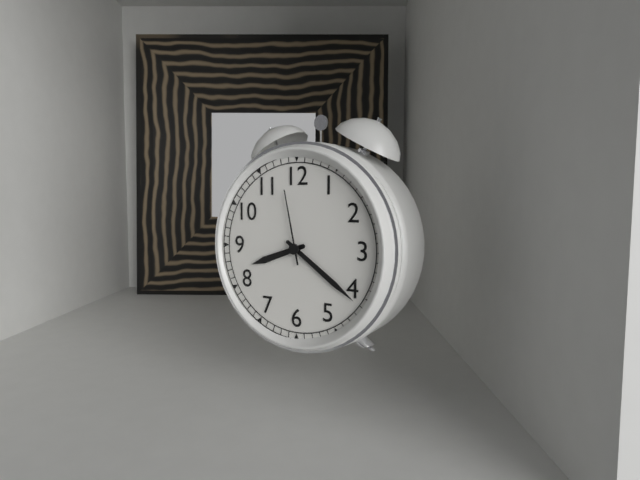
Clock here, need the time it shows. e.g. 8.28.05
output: 8.21.58
